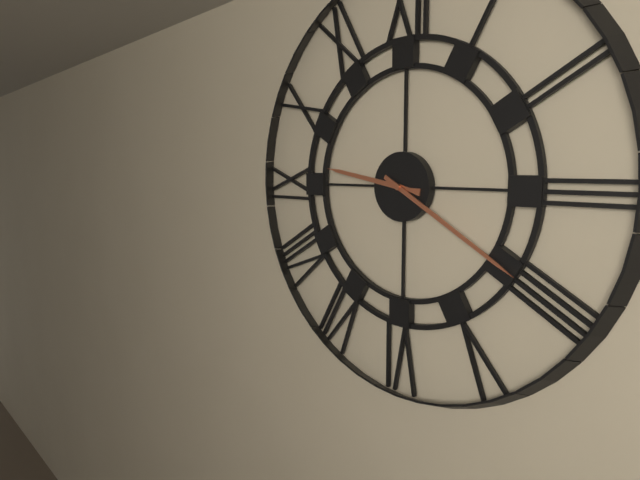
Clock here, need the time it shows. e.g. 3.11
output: 9.20
